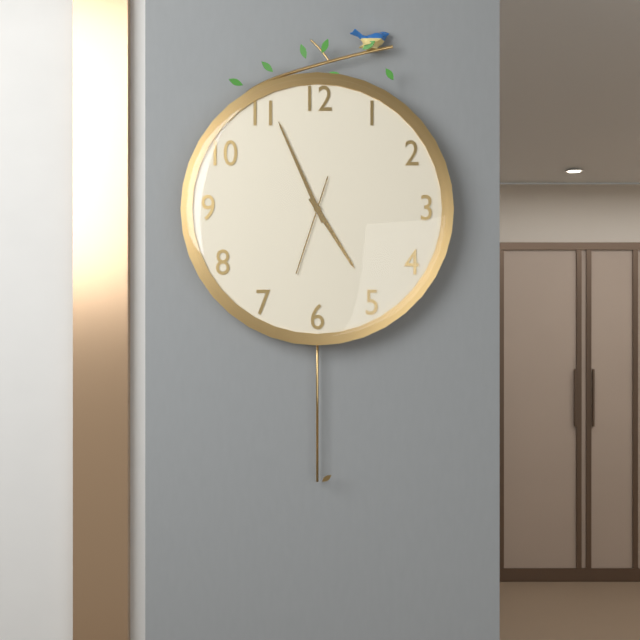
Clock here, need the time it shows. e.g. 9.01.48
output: 4.56.33
